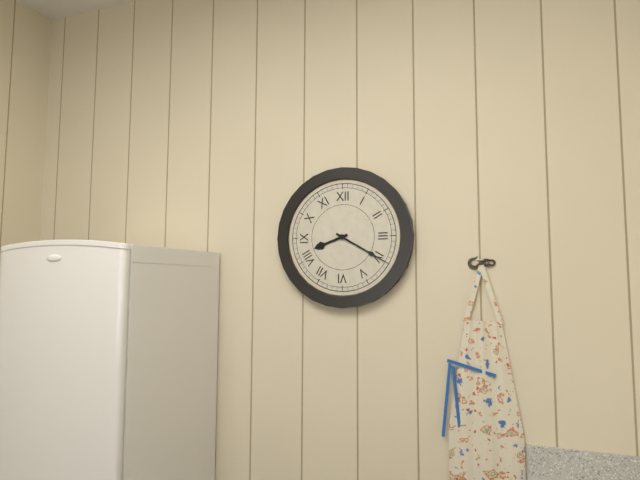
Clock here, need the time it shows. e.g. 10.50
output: 8.20
